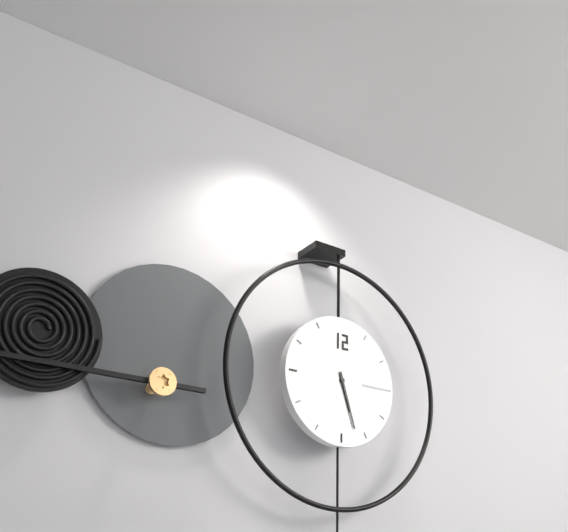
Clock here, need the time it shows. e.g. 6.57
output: 5.27
